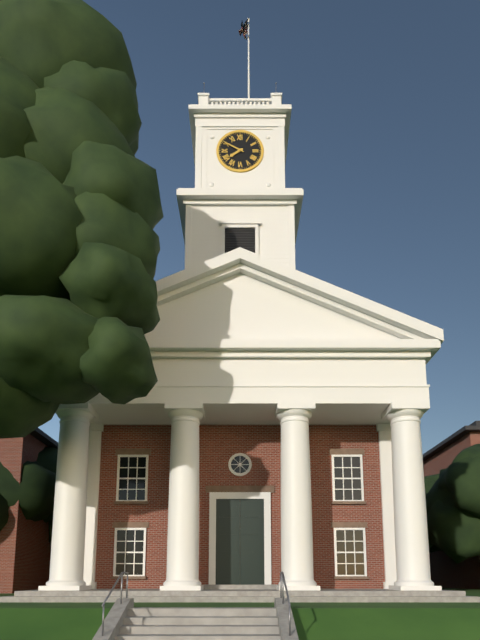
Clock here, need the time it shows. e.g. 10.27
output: 7.50
